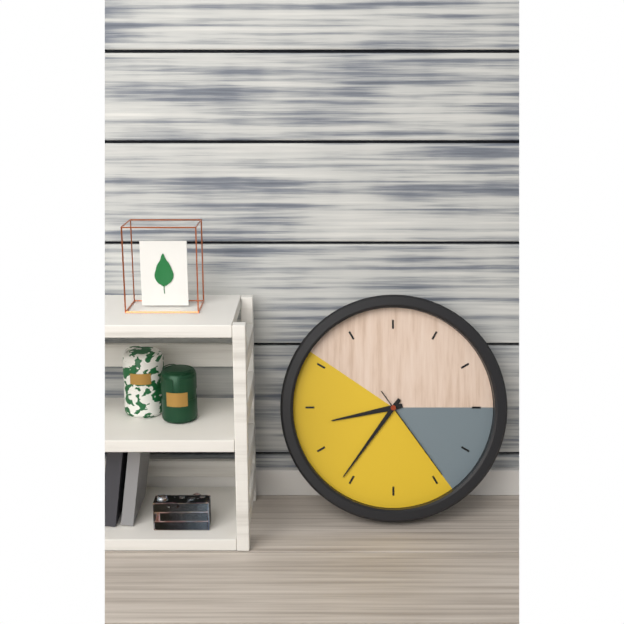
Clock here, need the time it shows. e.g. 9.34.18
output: 8.36.24
